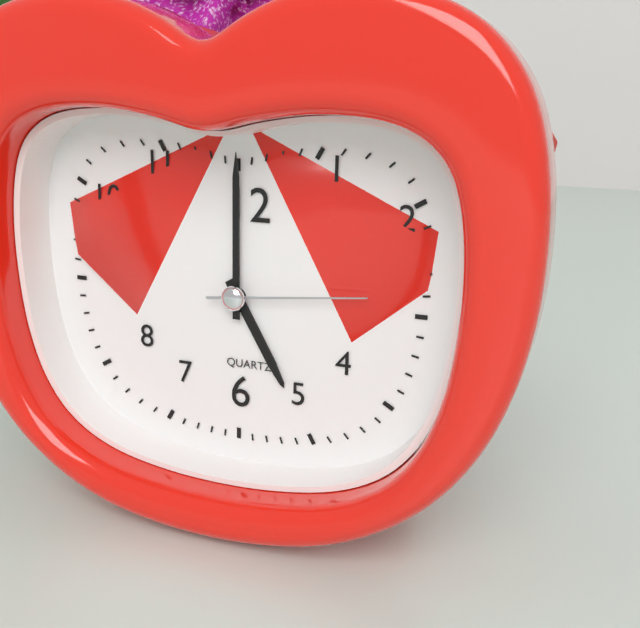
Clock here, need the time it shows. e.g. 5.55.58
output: 5.00.14
